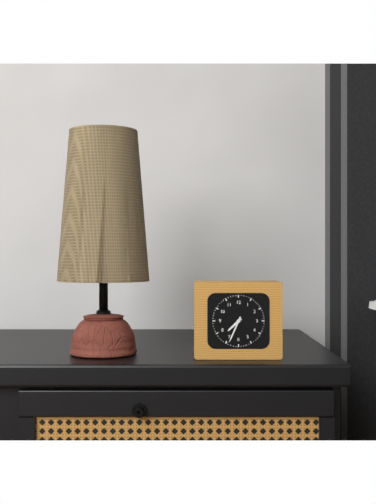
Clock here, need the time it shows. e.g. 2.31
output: 7.34
